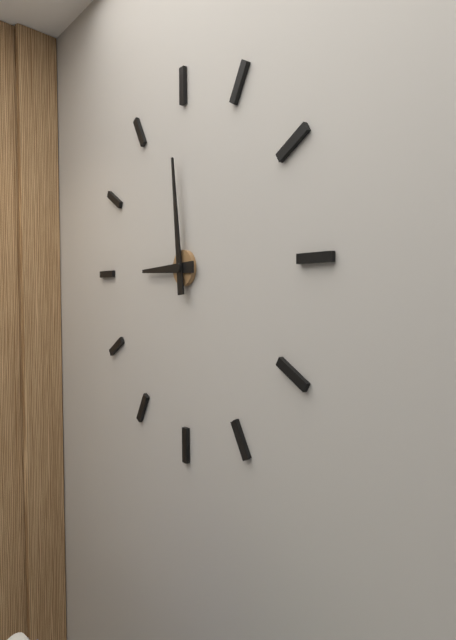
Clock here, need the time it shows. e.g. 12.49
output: 8.59
